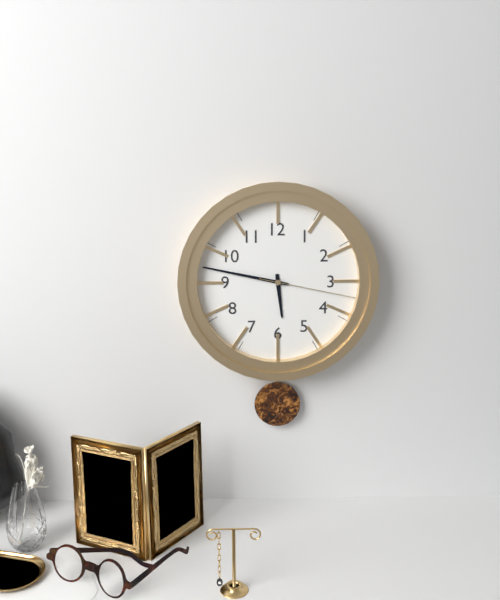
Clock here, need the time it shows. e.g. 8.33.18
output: 5.47.17
